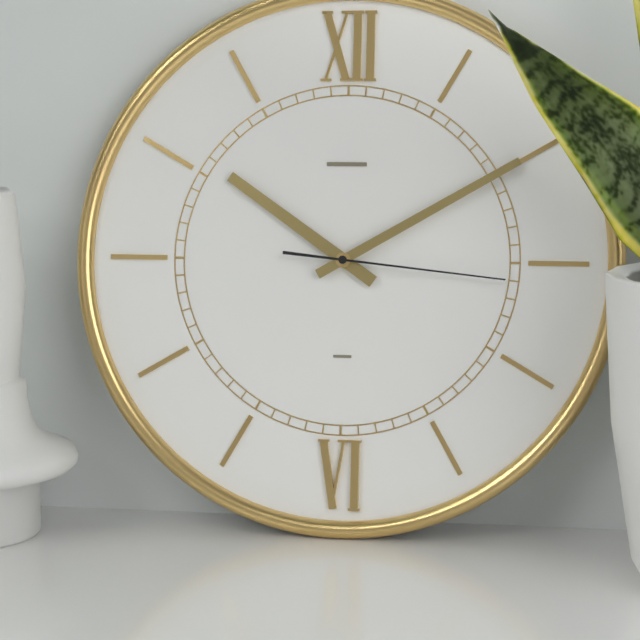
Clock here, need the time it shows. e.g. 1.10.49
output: 10.10.16
